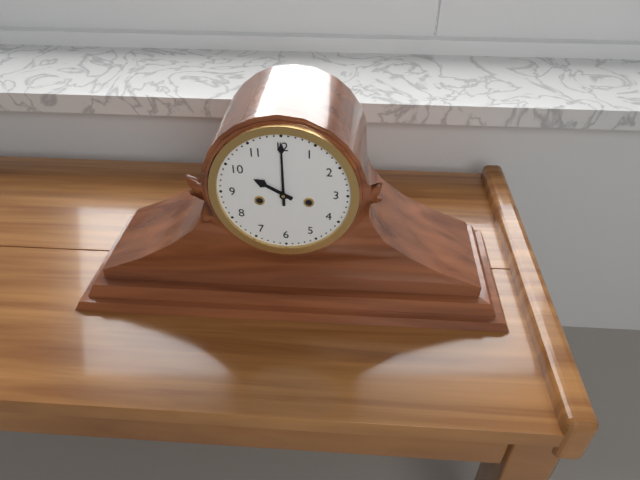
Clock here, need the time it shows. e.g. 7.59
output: 10.00
